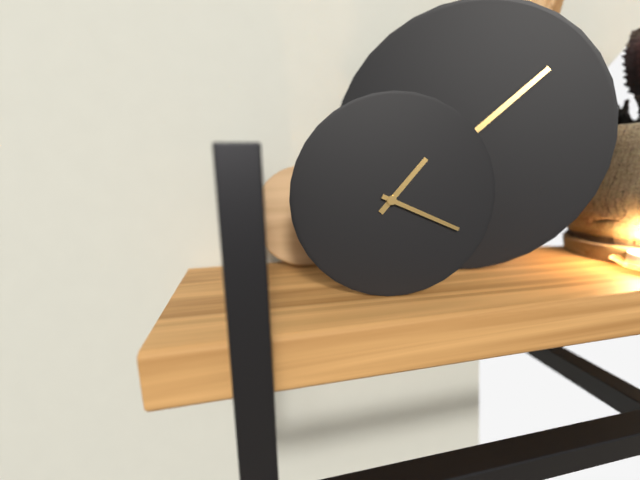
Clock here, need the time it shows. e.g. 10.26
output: 1.19
